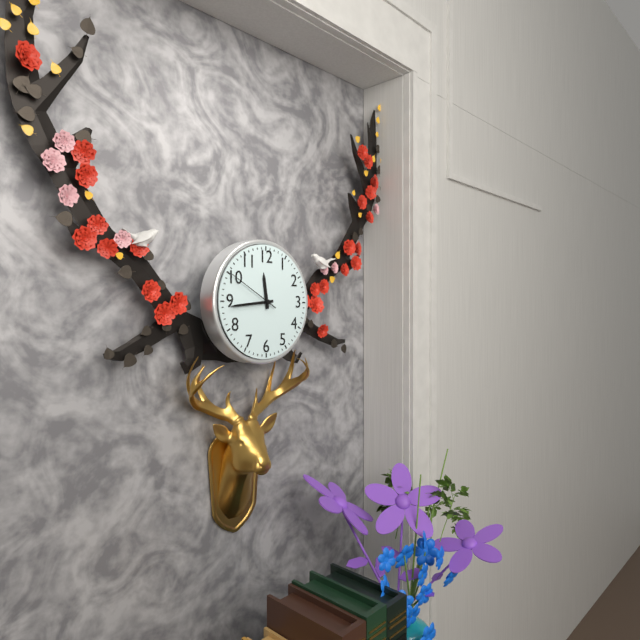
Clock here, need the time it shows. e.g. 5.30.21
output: 11.44.50
